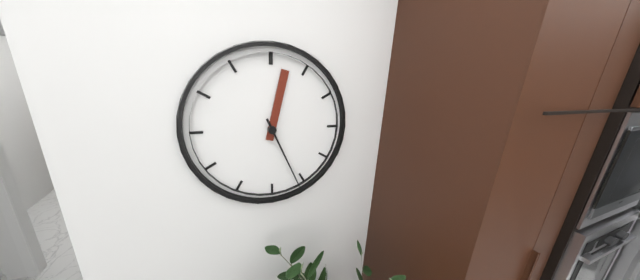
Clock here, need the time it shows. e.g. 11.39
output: 12.26
